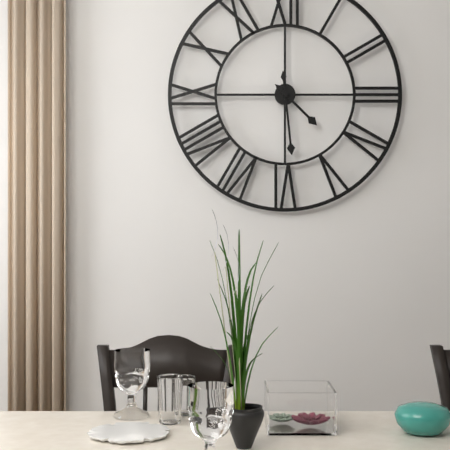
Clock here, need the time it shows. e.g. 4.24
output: 4.29
